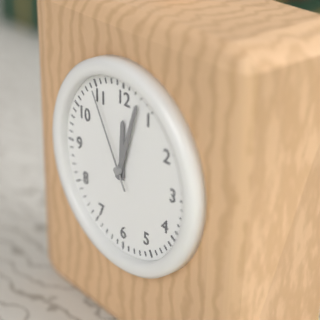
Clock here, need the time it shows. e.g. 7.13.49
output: 12.03.55
